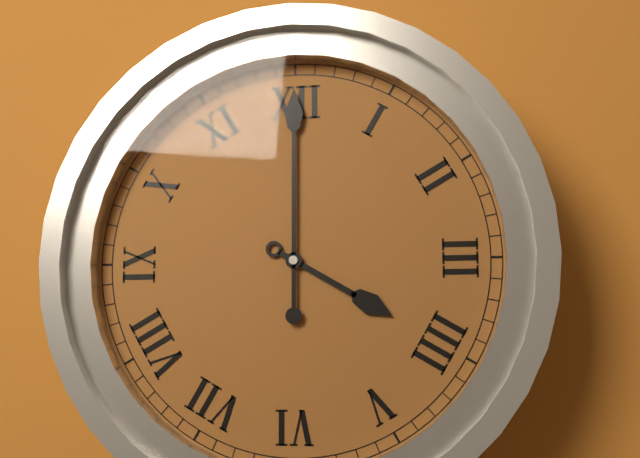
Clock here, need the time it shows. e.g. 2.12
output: 4.00
